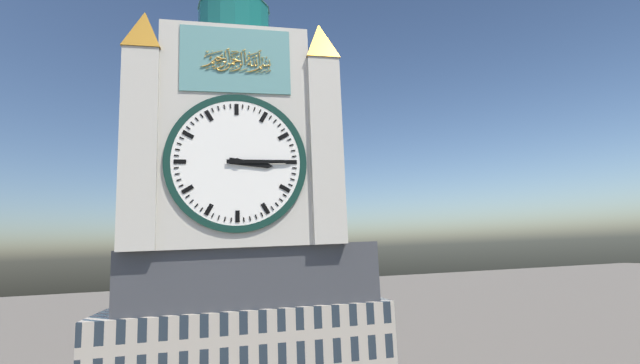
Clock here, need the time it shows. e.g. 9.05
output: 3.15
